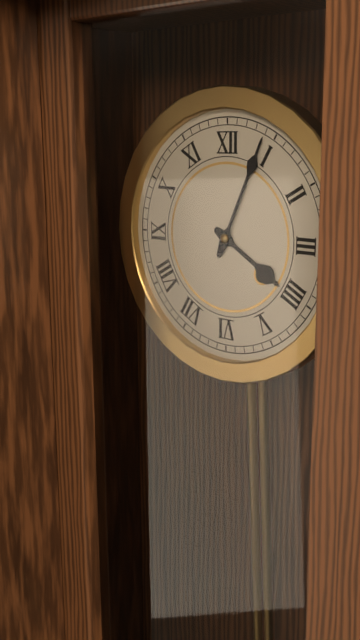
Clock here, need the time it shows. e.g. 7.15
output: 4.04
